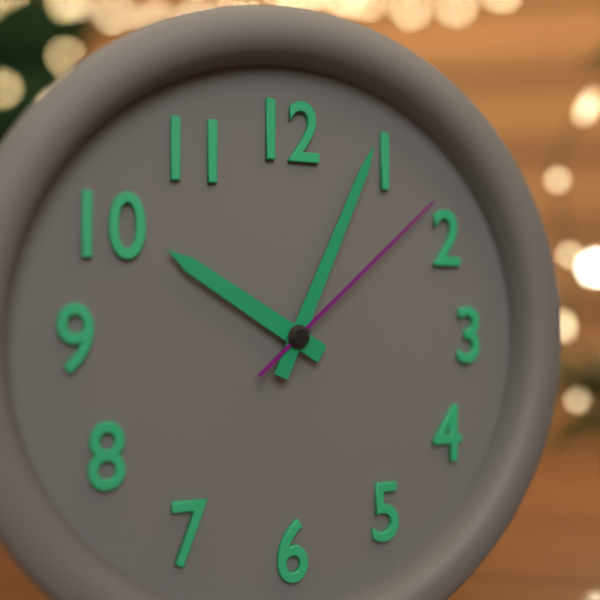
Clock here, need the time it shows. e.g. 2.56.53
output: 10.04.08
